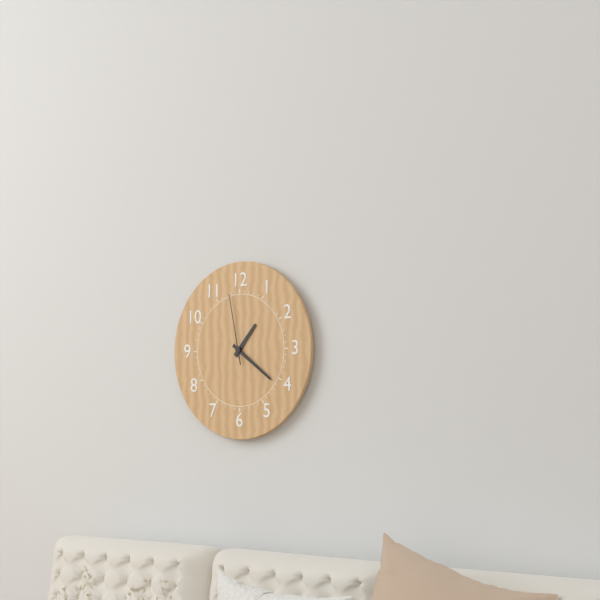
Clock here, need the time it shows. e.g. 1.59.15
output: 1.21.58
